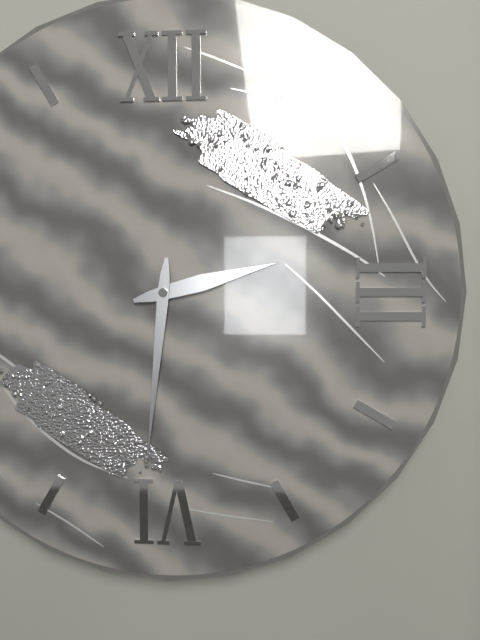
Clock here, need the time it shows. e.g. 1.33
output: 2.31
